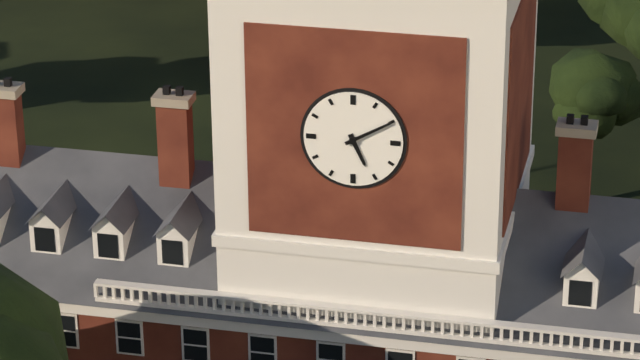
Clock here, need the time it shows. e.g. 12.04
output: 5.10
